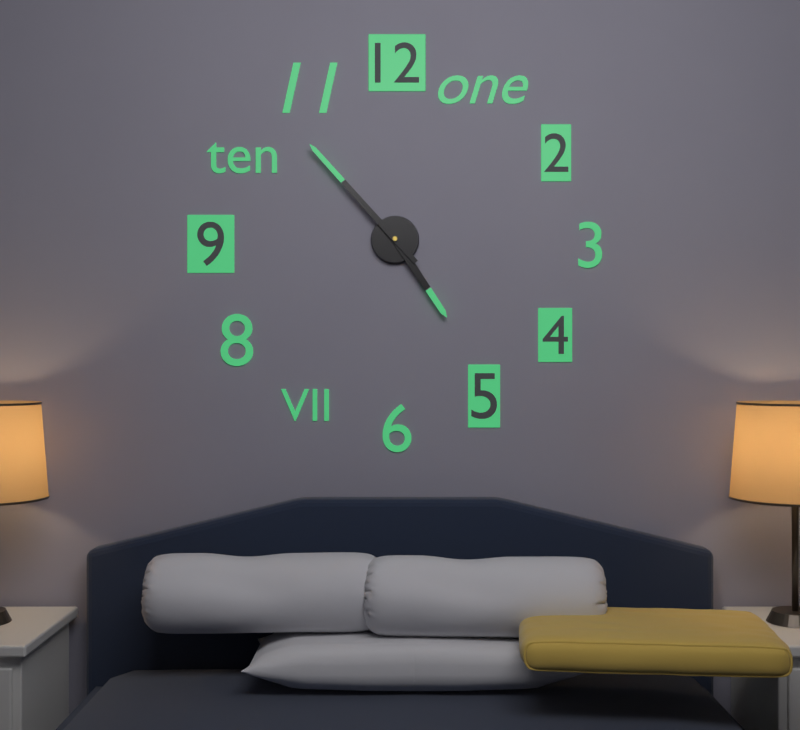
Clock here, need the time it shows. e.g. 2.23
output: 4.53
